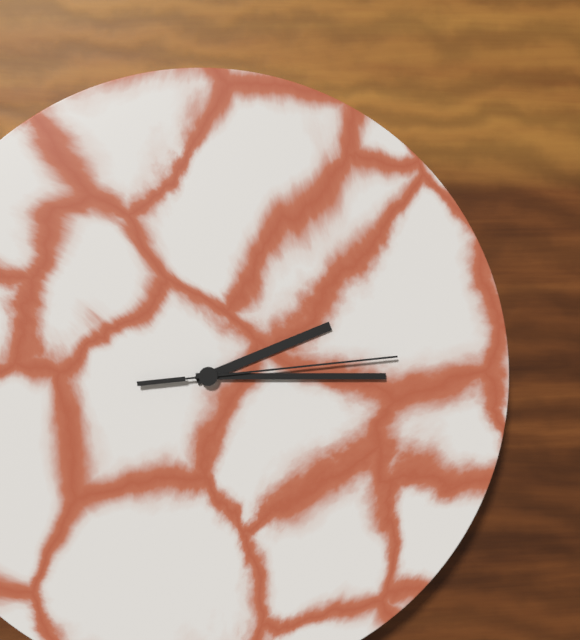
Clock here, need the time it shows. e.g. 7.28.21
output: 2.15.14
